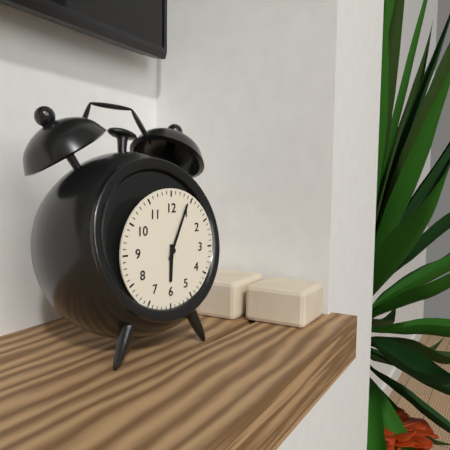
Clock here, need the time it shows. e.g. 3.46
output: 6.04
